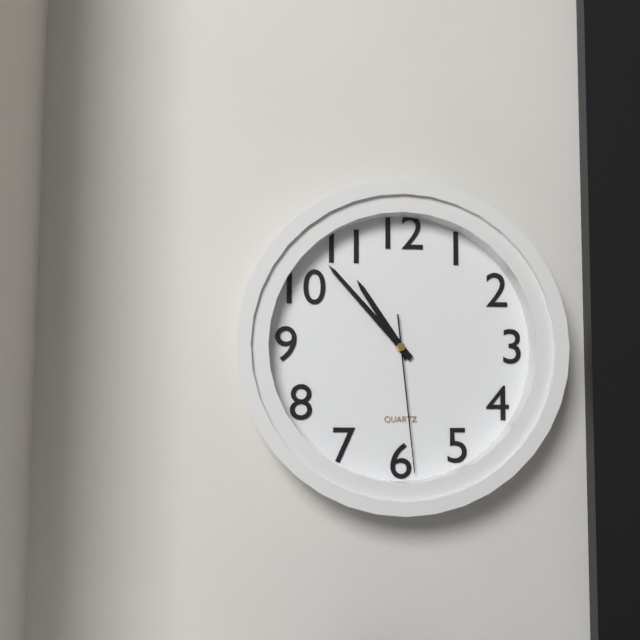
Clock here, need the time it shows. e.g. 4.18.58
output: 10.53.29
